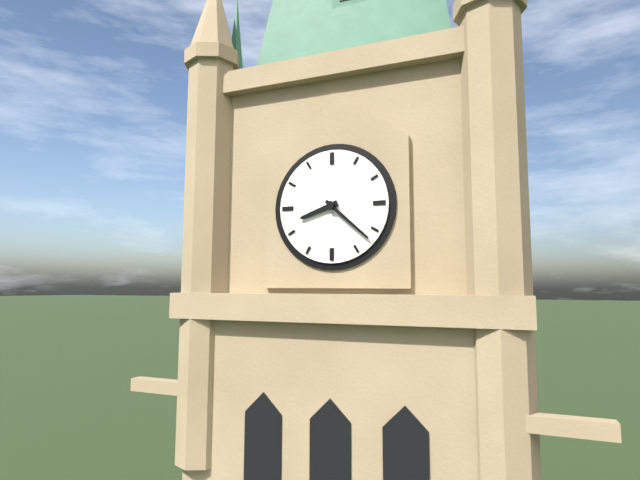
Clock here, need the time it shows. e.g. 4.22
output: 8.22
